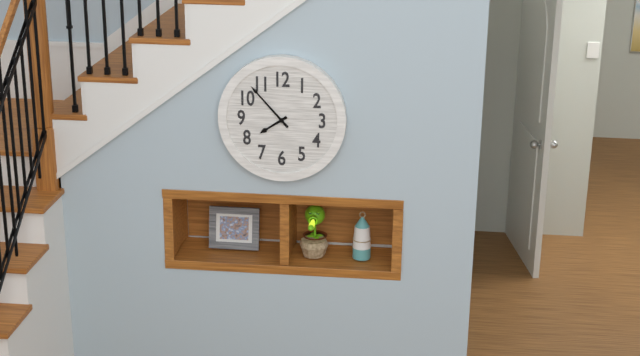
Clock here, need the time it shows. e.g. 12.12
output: 7.53
